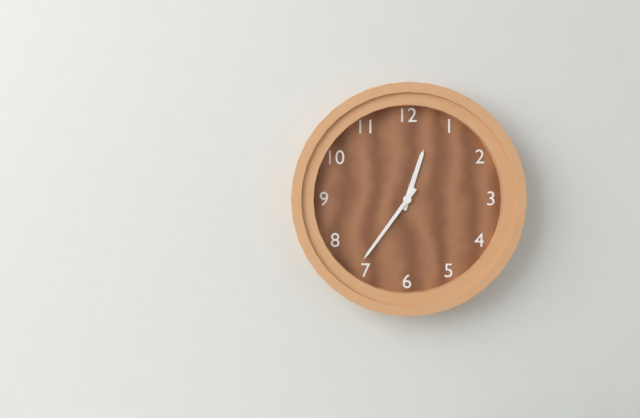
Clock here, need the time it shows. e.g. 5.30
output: 12.36
